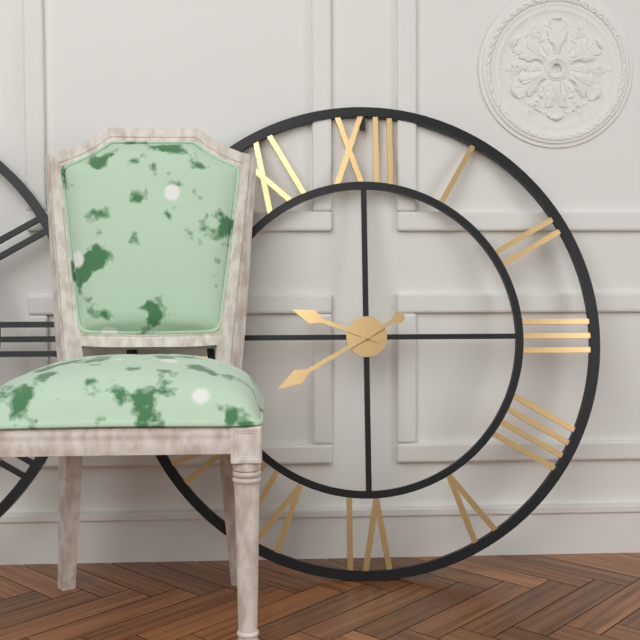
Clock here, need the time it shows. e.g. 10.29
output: 9.40
